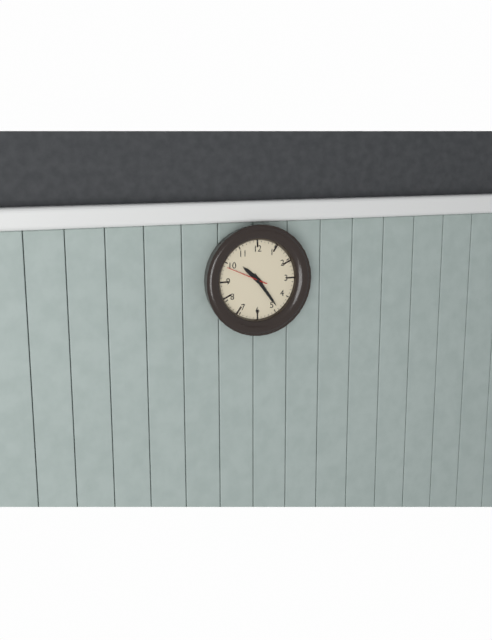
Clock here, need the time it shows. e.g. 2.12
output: 10.24
